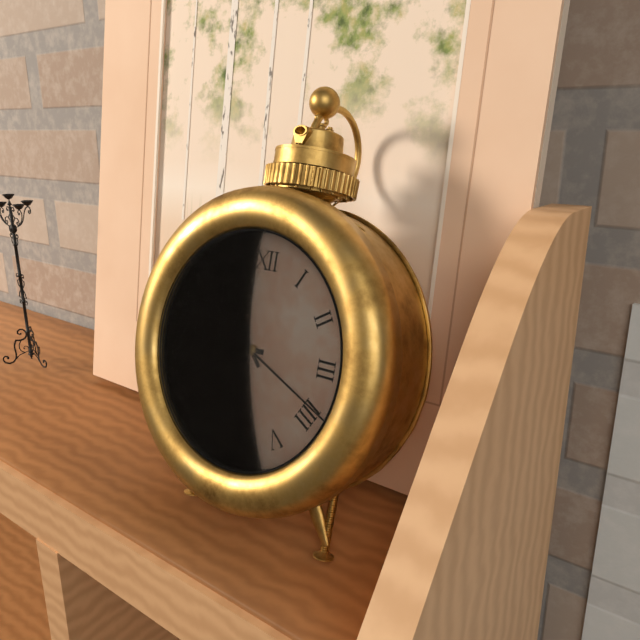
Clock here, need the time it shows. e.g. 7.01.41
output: 8.53.19
